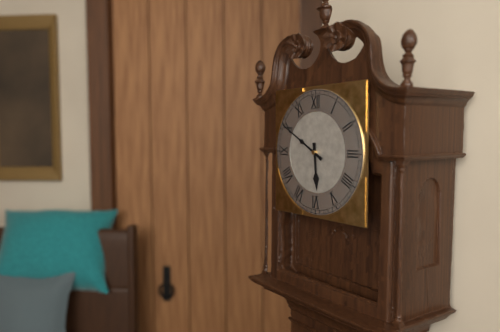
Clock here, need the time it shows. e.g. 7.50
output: 5.50
